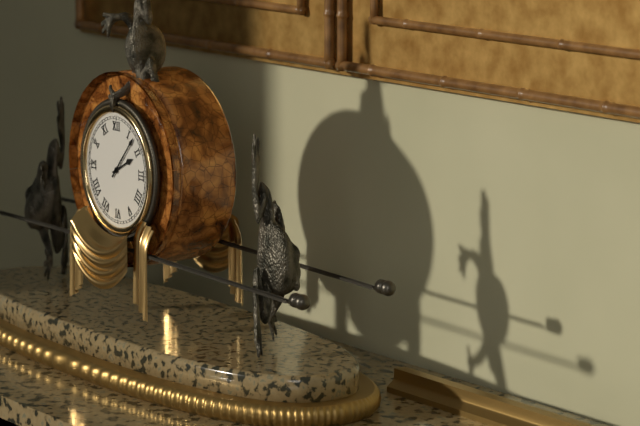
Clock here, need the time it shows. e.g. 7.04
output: 2.07
